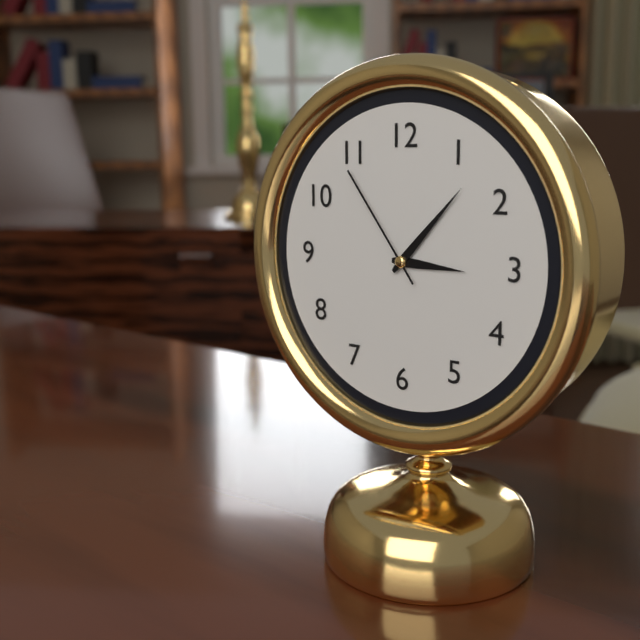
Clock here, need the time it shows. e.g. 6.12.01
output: 3.07.54
